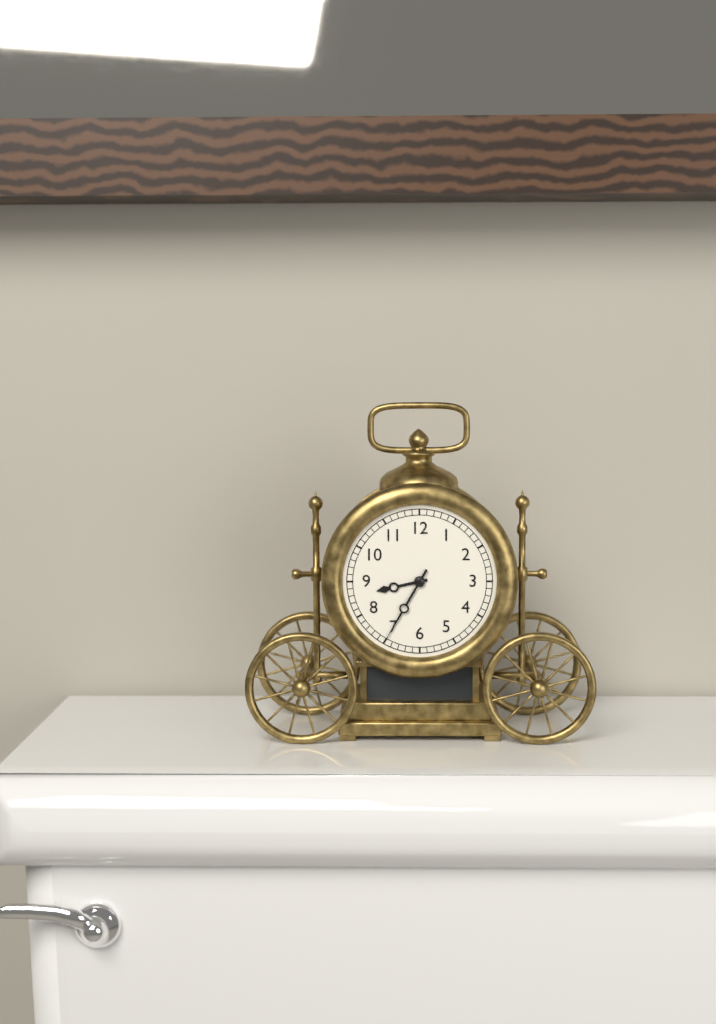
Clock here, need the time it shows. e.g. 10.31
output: 8.35
